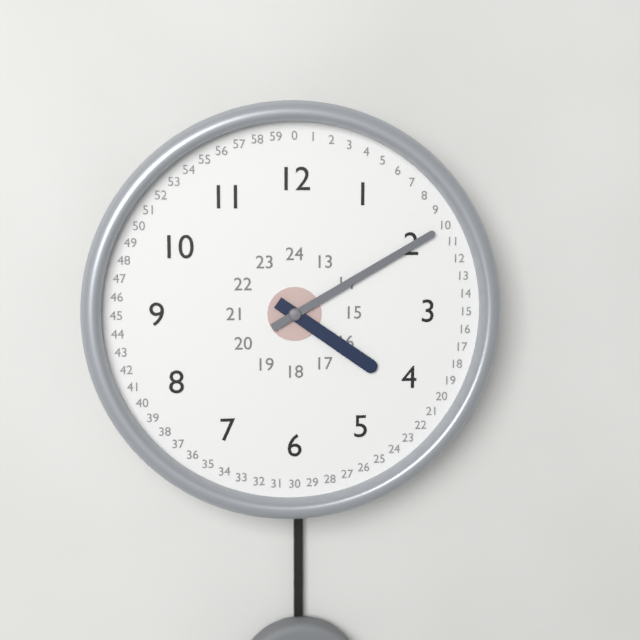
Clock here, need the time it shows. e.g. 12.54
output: 4.10
